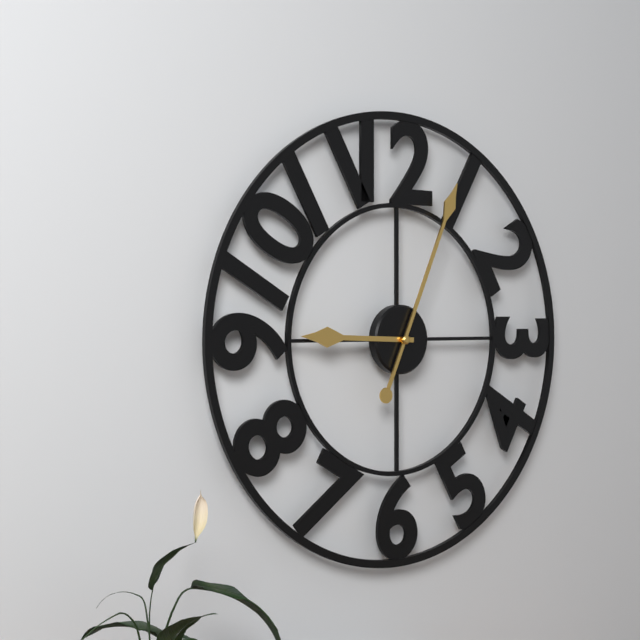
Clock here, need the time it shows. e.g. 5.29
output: 9.04
